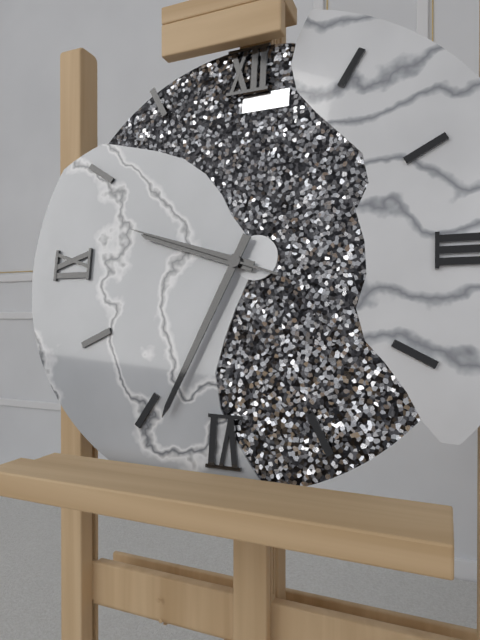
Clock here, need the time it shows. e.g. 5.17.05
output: 9.34.48
